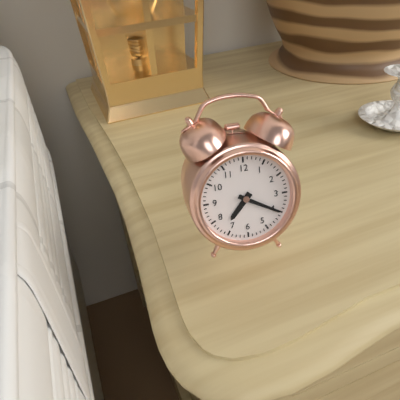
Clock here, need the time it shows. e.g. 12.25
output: 7.20
